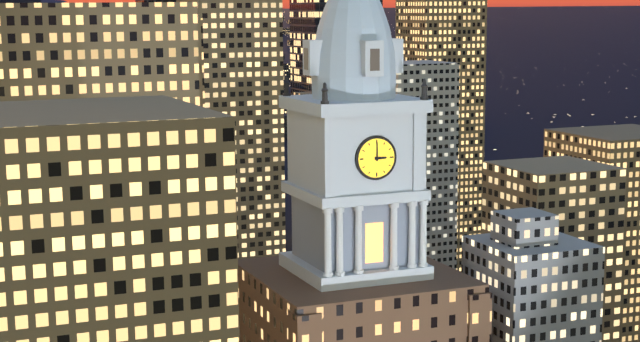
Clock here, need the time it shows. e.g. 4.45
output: 3.00
